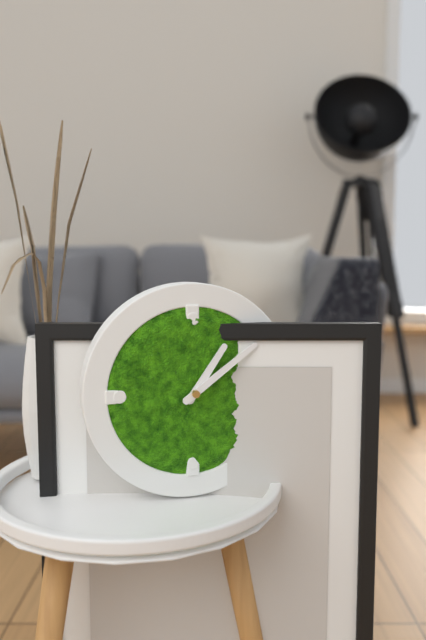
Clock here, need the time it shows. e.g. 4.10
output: 1.09
